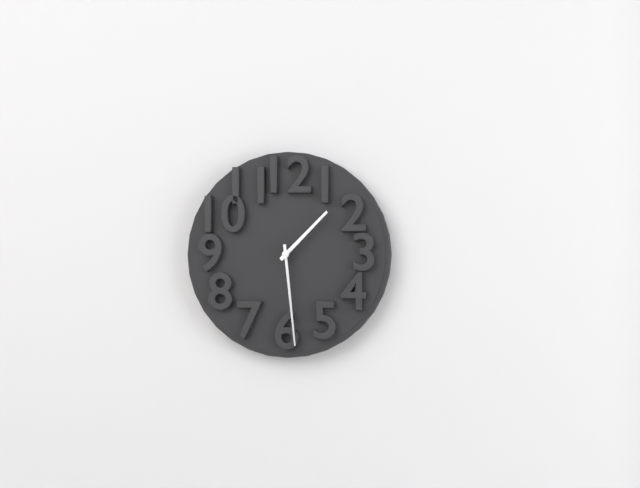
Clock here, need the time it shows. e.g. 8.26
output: 1.29
